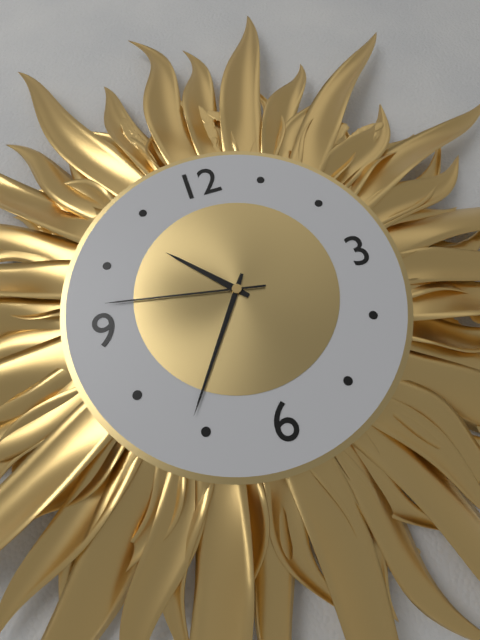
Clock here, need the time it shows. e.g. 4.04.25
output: 10.36.47
